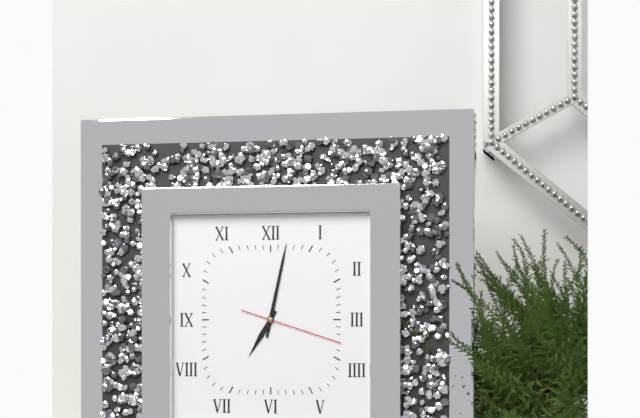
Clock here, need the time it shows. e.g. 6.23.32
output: 7.02.18
